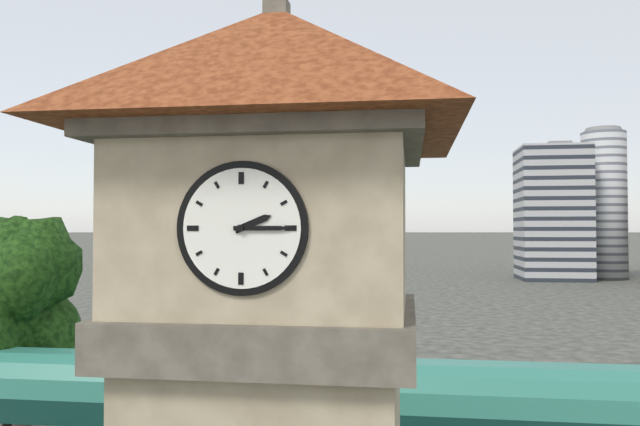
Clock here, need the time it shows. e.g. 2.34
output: 2.15
